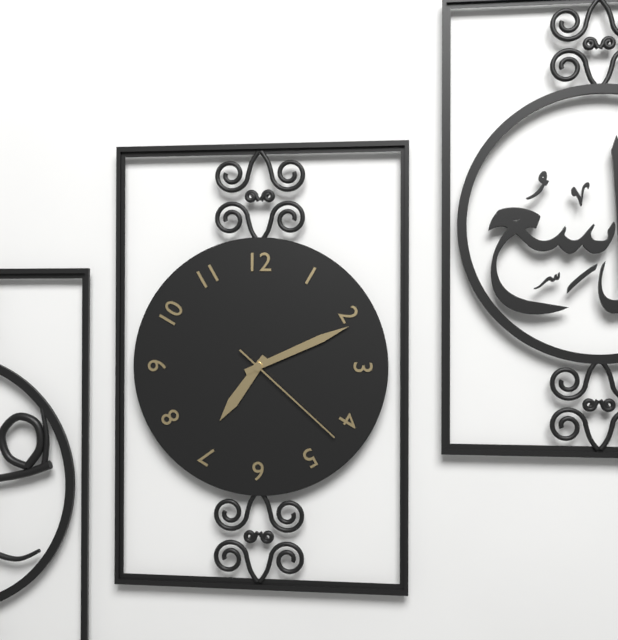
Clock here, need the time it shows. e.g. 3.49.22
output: 7.11.22
